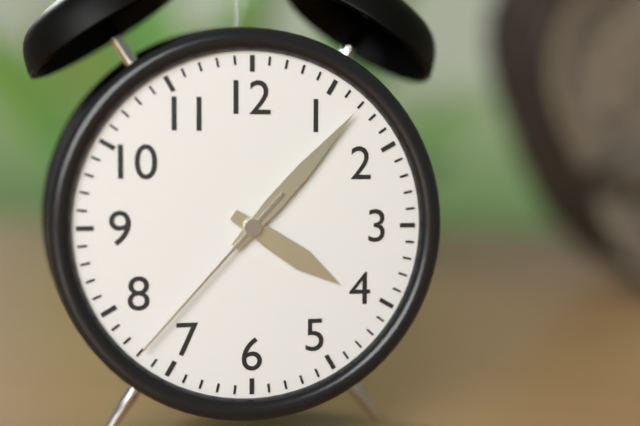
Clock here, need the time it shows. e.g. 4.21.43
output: 4.07.37
